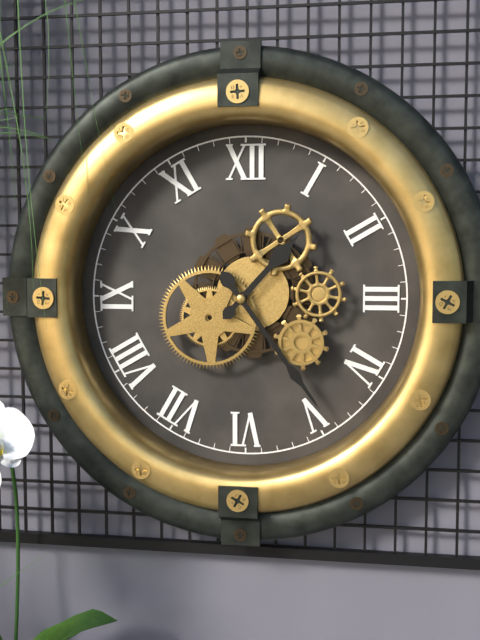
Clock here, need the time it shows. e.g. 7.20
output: 1.24
